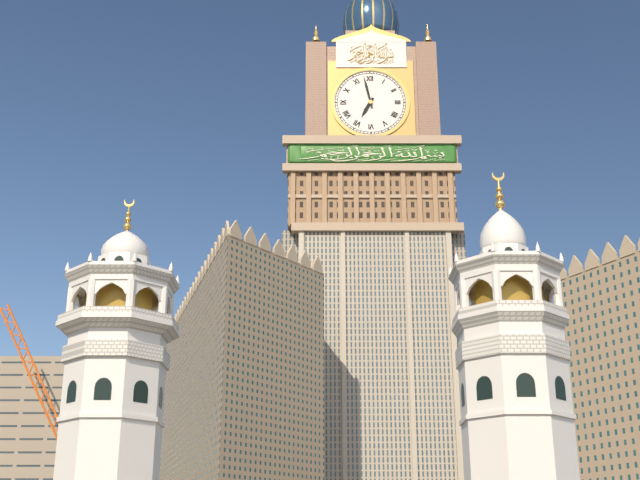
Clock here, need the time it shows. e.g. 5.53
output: 6.58
